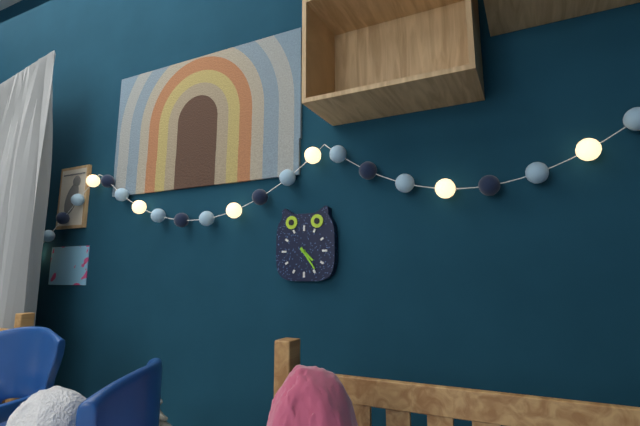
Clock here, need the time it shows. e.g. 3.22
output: 4.24
